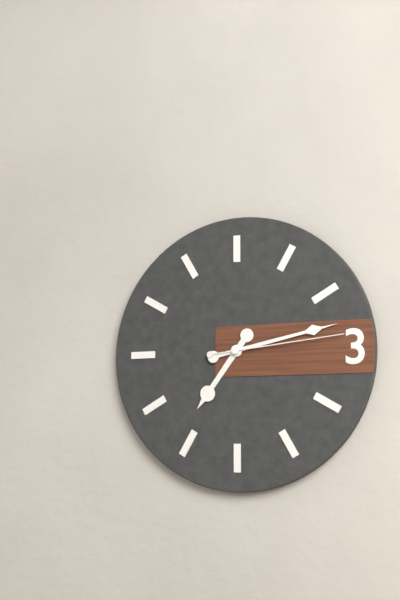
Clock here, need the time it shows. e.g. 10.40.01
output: 7.13.14
